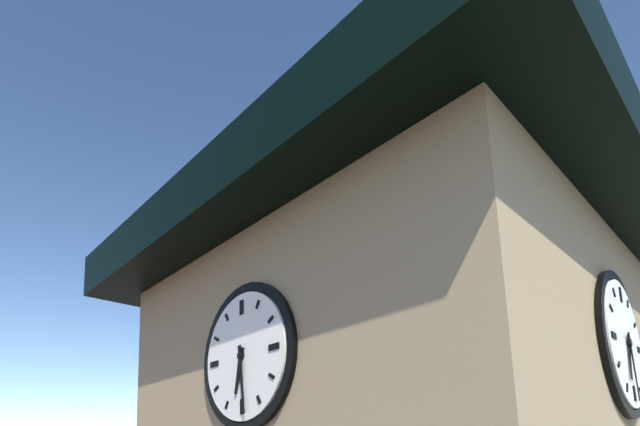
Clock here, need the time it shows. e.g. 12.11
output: 6.29
